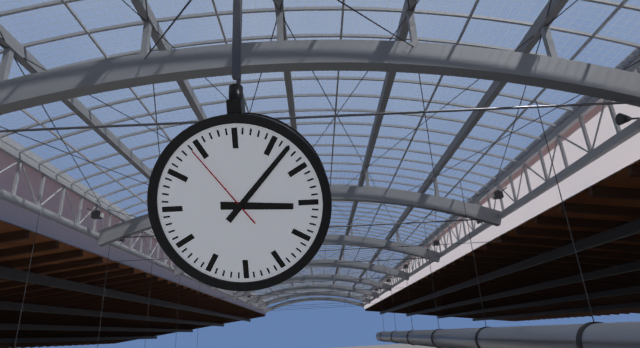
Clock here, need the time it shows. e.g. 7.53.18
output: 3.07.54
